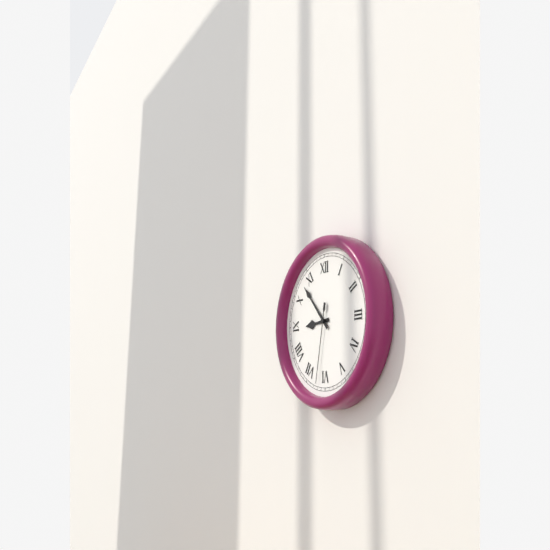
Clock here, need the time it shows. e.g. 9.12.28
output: 8.53.32
